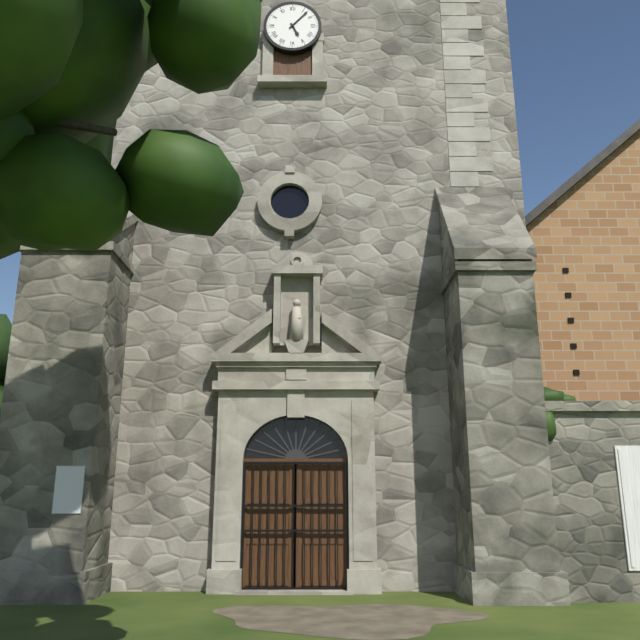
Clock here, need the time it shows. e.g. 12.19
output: 5.07
